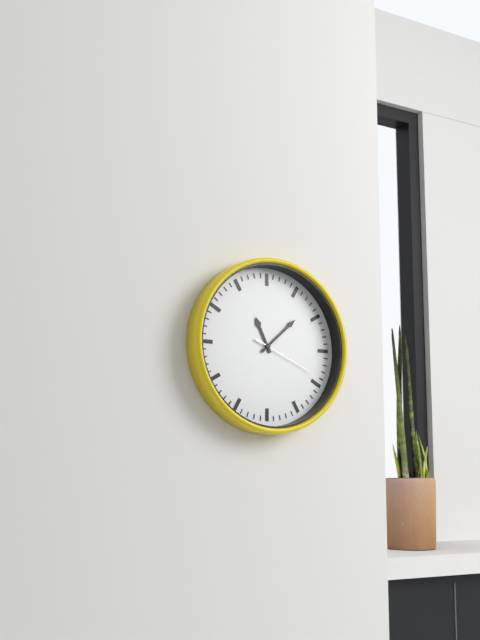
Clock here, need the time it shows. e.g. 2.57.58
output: 11.08.19
